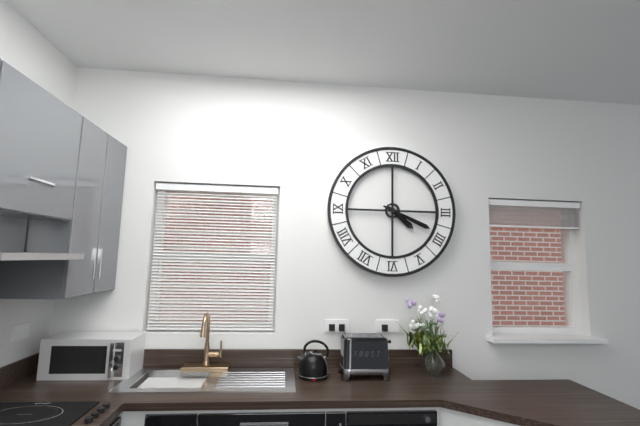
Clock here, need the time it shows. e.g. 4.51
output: 4.19
